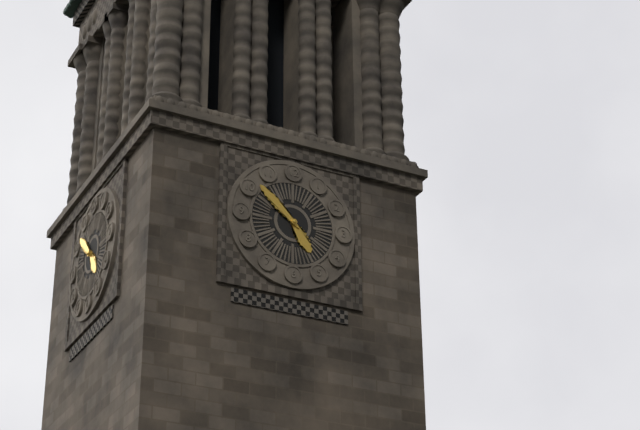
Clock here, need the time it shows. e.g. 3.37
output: 4.52
